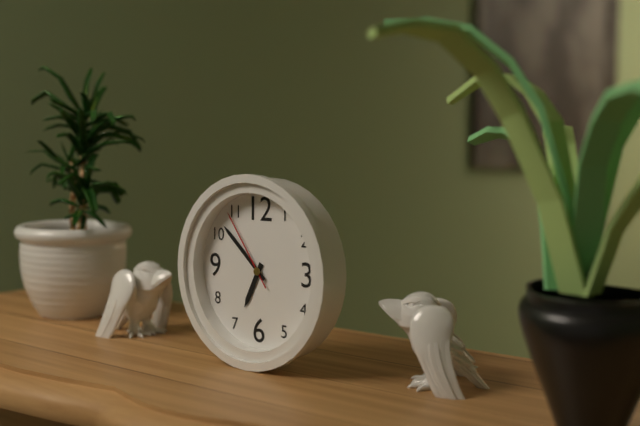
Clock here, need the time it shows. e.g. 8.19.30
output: 6.52.54
